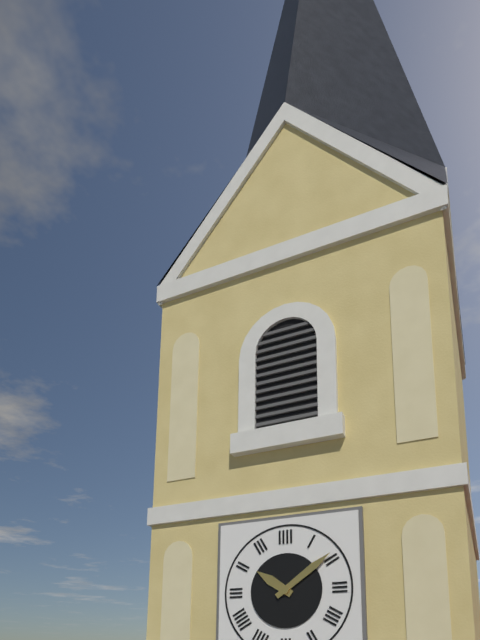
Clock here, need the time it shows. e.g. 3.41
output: 10.09
